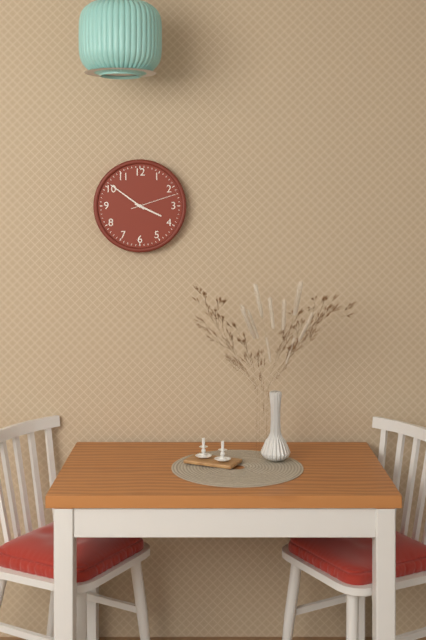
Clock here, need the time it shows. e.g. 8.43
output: 3.51
